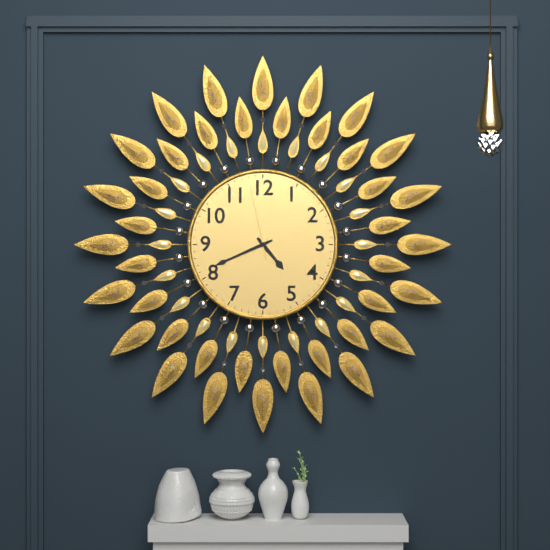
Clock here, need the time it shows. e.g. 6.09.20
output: 4.41.58
